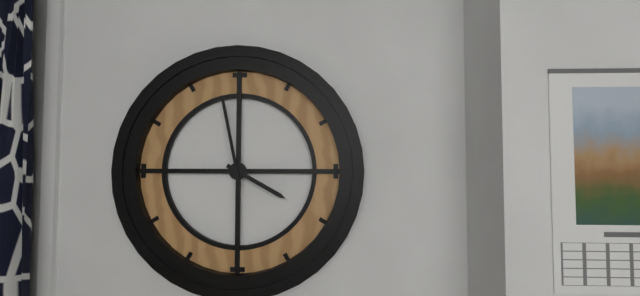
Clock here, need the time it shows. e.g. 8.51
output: 3.58
